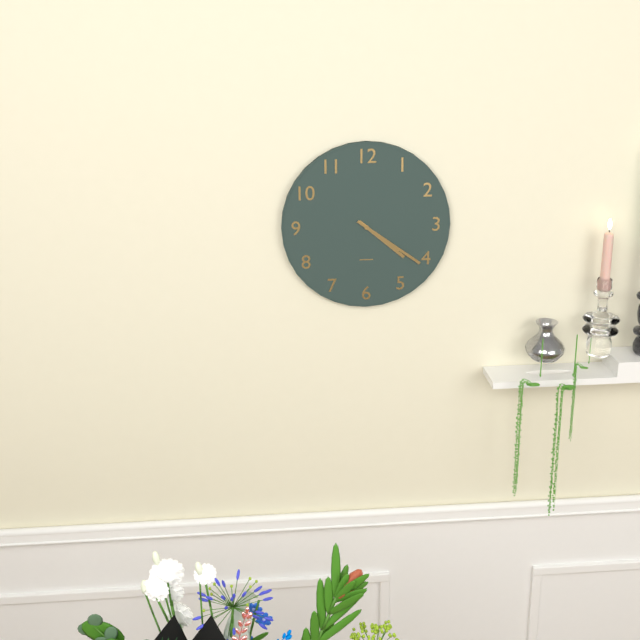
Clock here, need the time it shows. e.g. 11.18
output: 4.21
